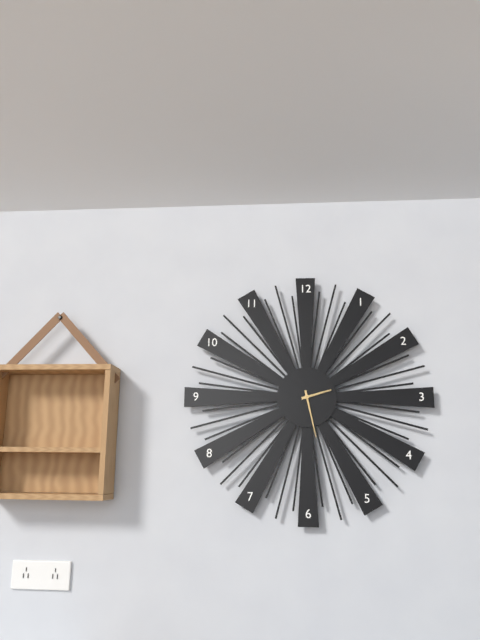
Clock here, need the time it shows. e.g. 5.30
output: 2.28
